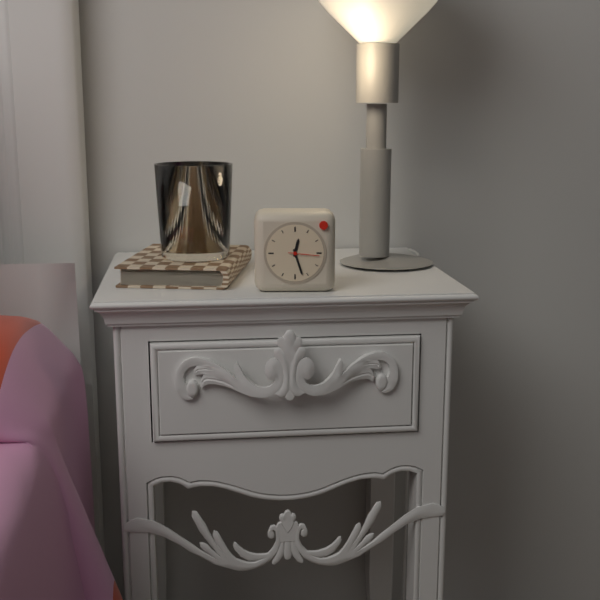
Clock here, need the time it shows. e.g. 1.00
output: 12.27
